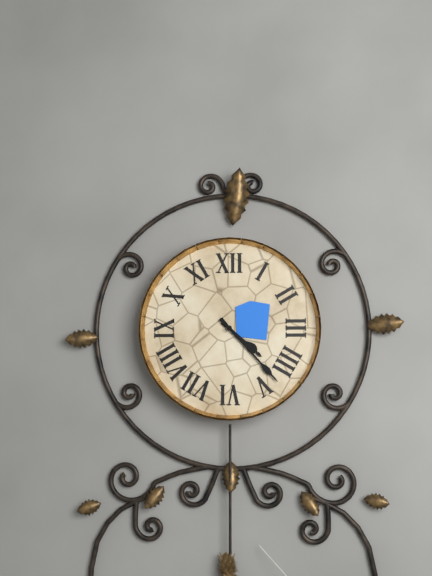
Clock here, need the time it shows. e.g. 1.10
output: 4.23
